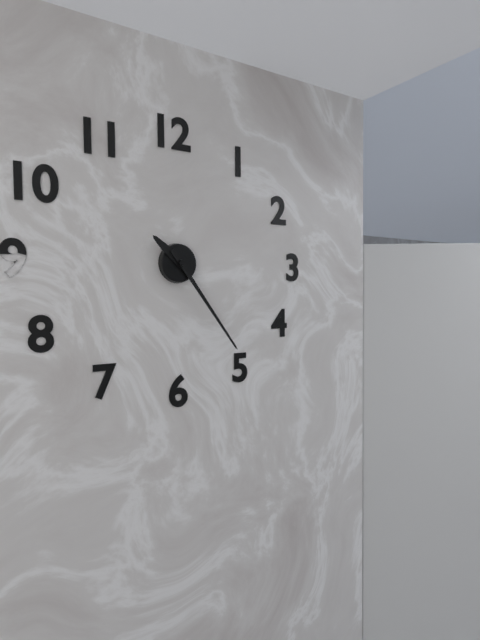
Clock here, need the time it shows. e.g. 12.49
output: 10.24
